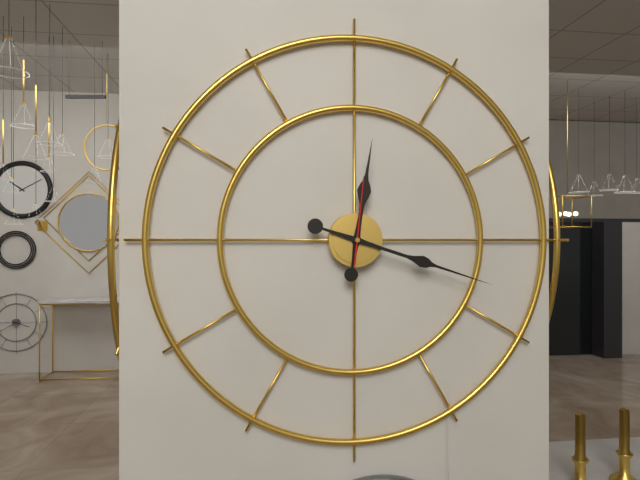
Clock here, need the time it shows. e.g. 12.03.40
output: 12.18.01
